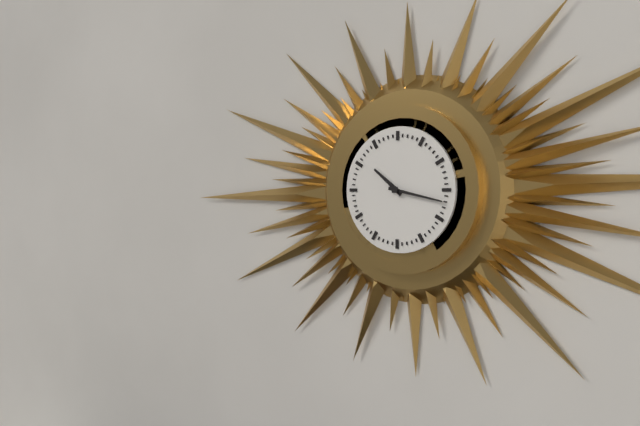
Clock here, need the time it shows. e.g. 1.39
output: 10.17
